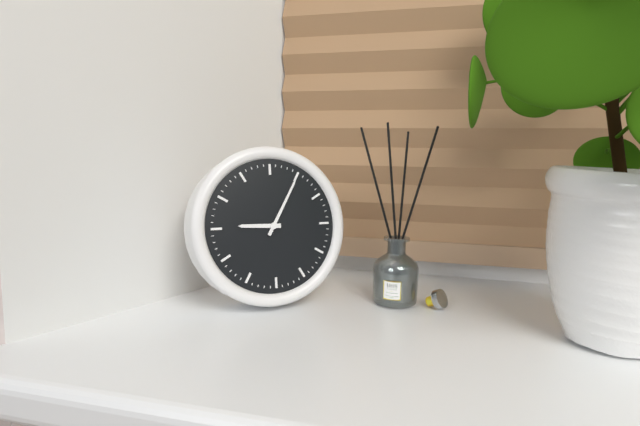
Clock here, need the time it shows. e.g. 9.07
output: 9.05
